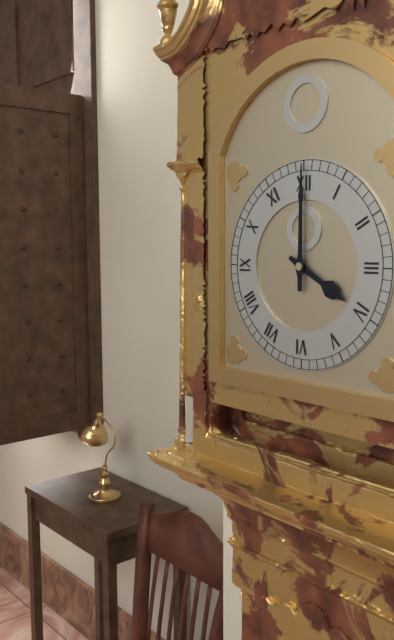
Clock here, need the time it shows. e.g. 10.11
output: 4.00
